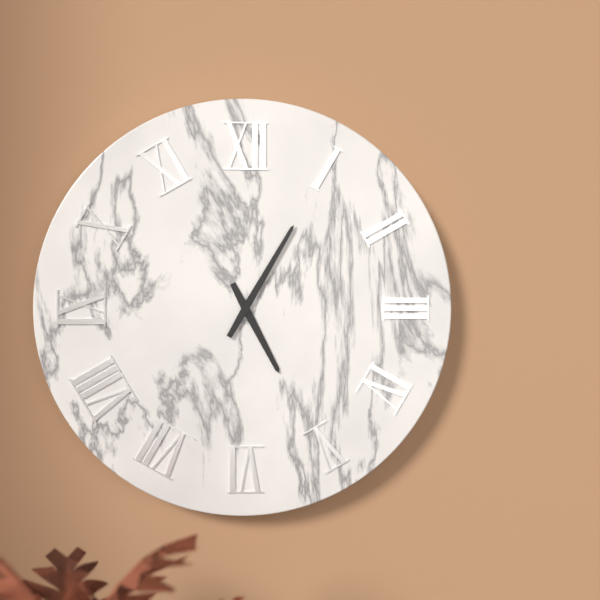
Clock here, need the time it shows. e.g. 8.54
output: 5.05
